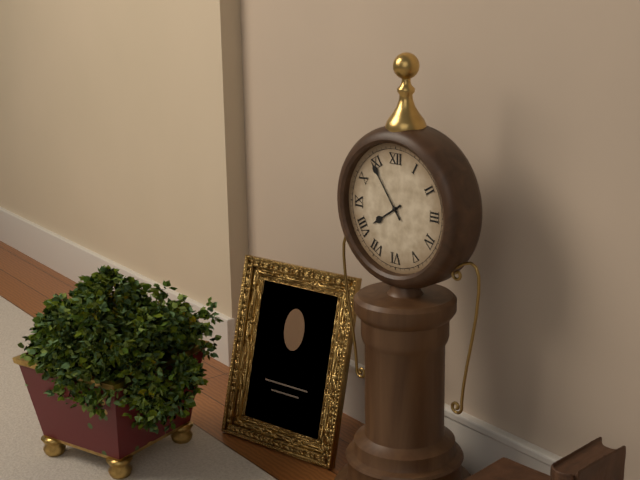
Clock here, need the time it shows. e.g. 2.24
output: 7.54
